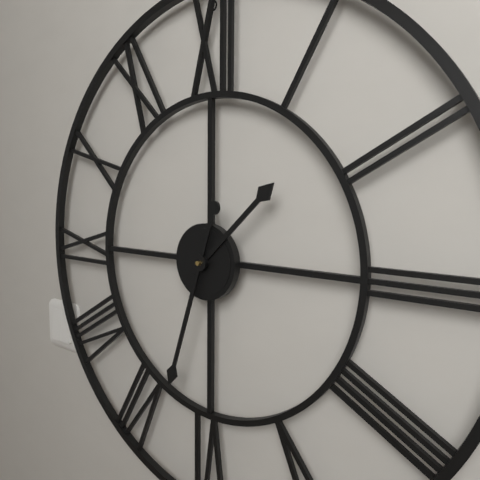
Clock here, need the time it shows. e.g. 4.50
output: 1.33
